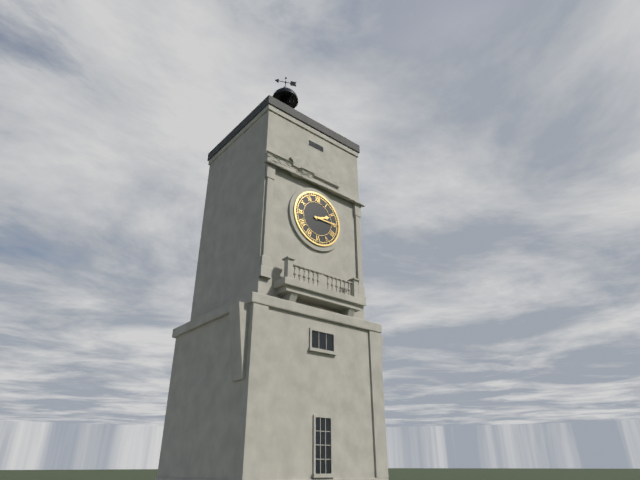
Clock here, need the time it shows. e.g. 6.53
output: 2.15
